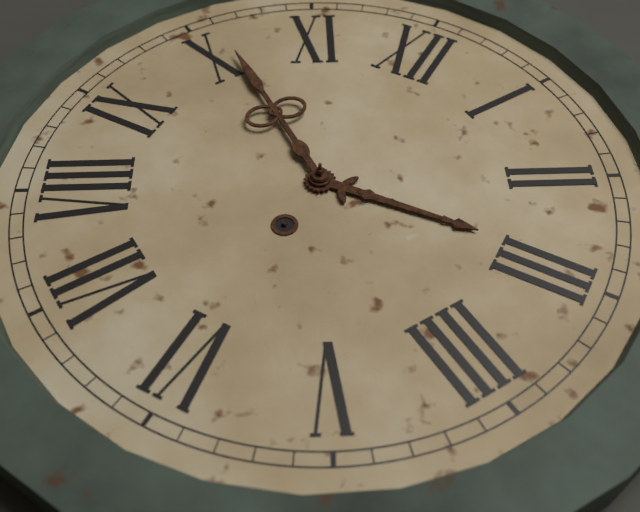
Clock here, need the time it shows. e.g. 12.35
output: 2.51
